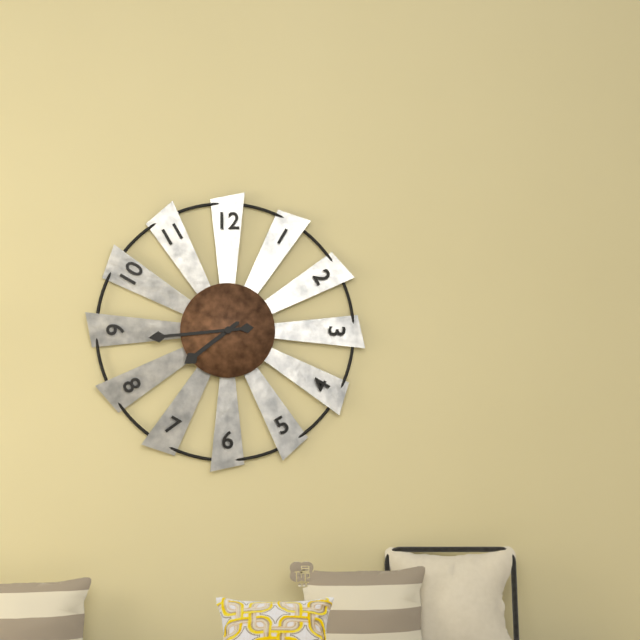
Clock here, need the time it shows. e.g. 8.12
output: 7.44
